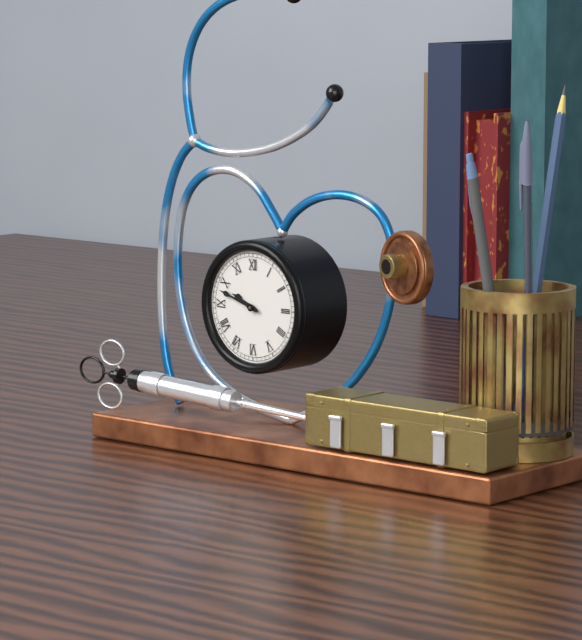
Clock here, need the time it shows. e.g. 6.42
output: 9.48
